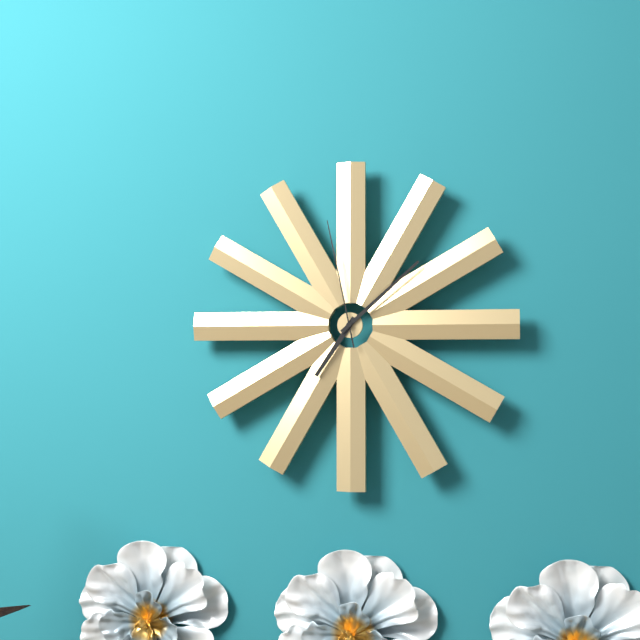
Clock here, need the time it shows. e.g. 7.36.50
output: 7.08.58
